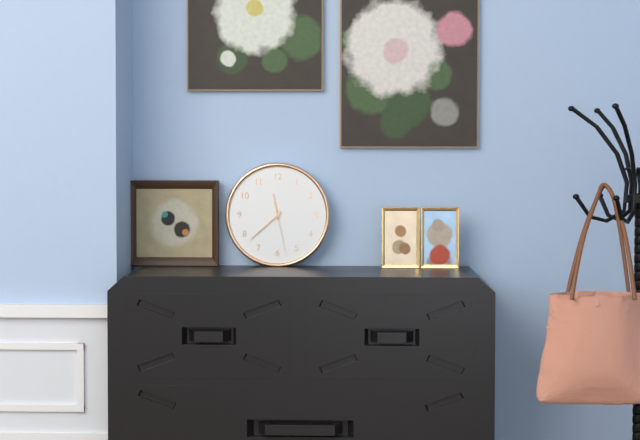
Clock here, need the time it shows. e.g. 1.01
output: 11.38
